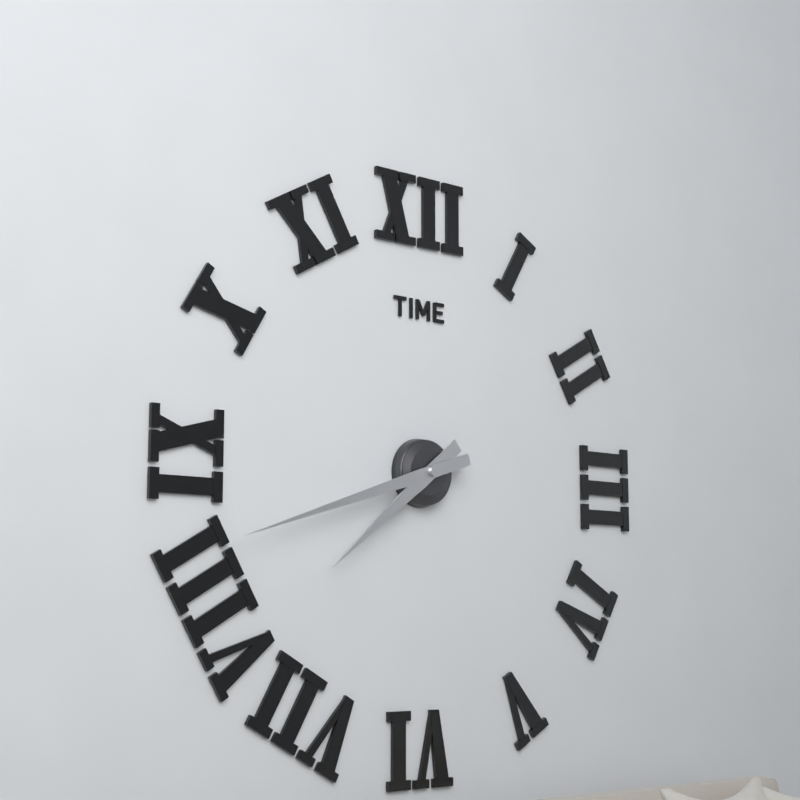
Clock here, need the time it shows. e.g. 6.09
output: 7.42
